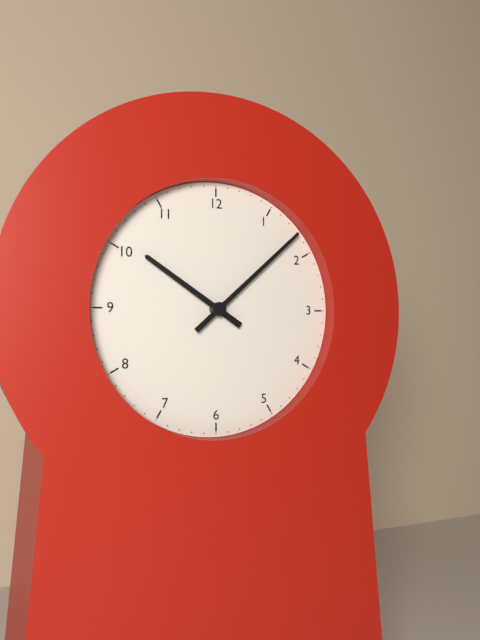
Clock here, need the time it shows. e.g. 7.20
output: 10.08
